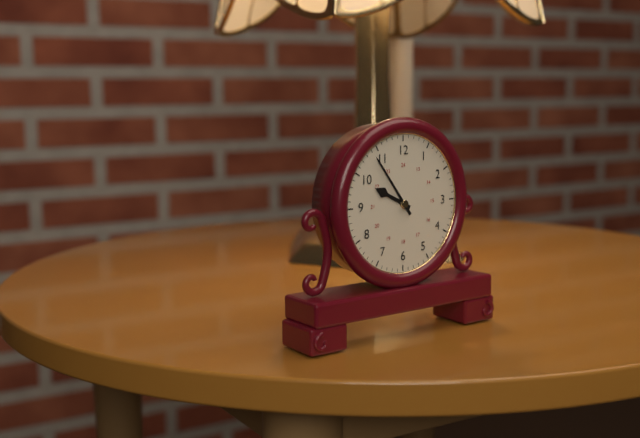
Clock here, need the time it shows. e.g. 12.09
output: 9.54
